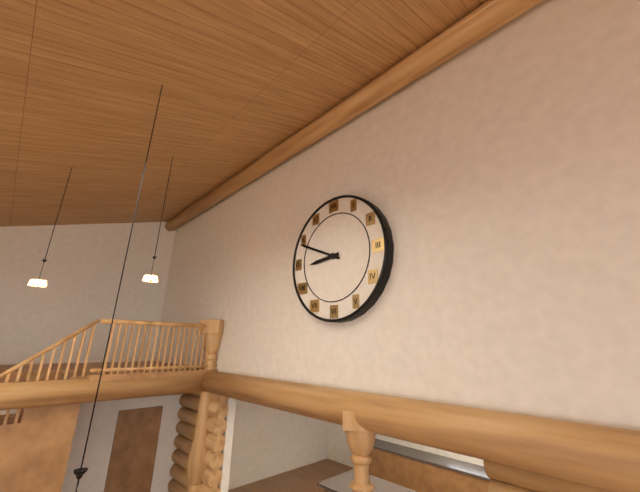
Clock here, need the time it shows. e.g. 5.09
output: 8.49
